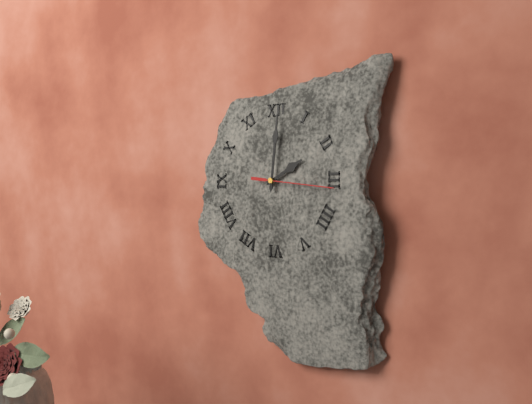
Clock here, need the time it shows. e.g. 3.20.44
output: 2.01.16
